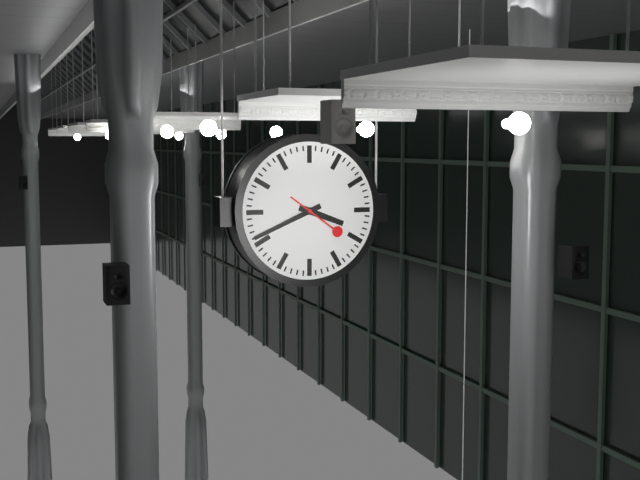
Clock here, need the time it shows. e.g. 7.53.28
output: 3.41.21
